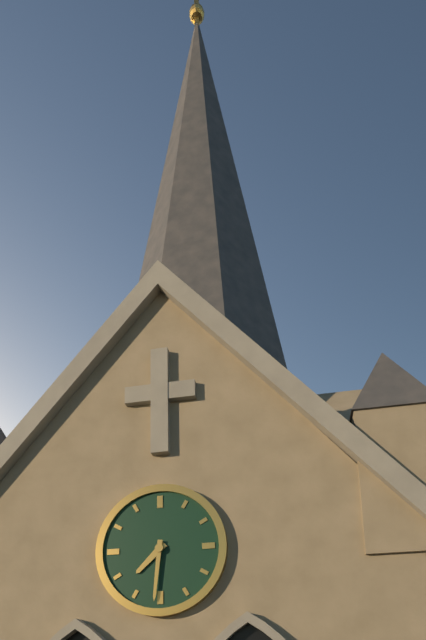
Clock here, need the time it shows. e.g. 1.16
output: 7.31
